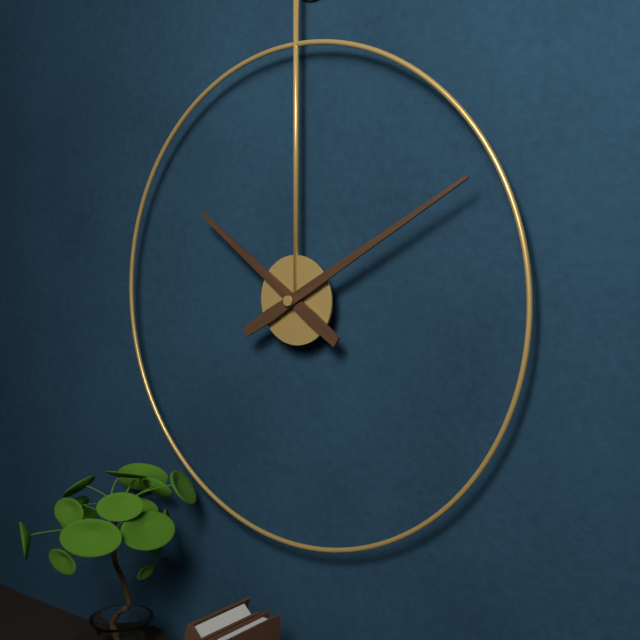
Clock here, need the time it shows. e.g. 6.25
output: 10.10
